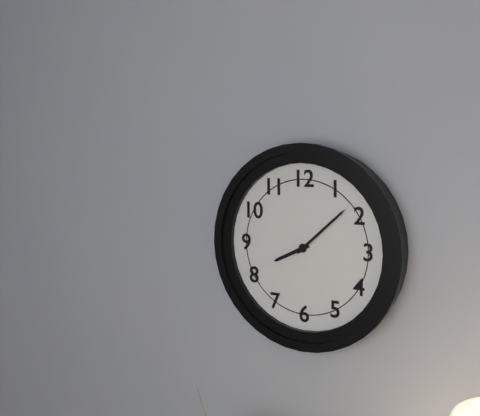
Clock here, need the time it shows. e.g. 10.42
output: 8.08
